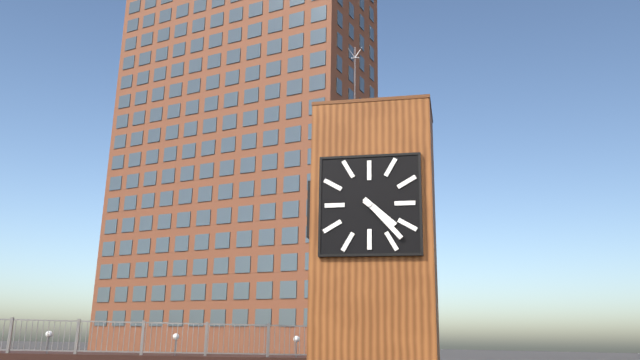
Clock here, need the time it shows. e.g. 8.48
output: 4.23
